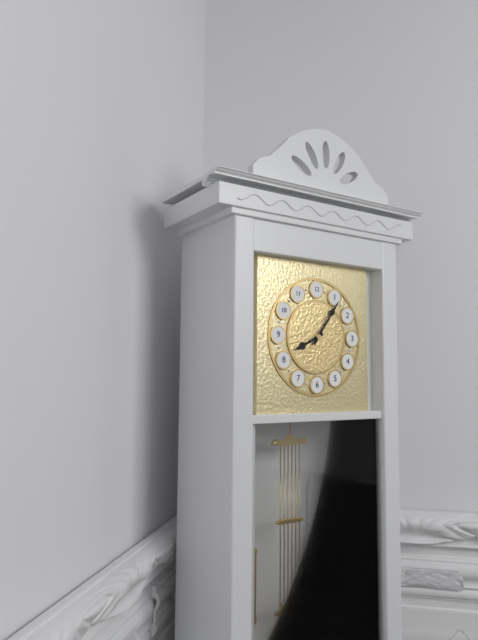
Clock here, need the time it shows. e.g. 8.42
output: 8.06
